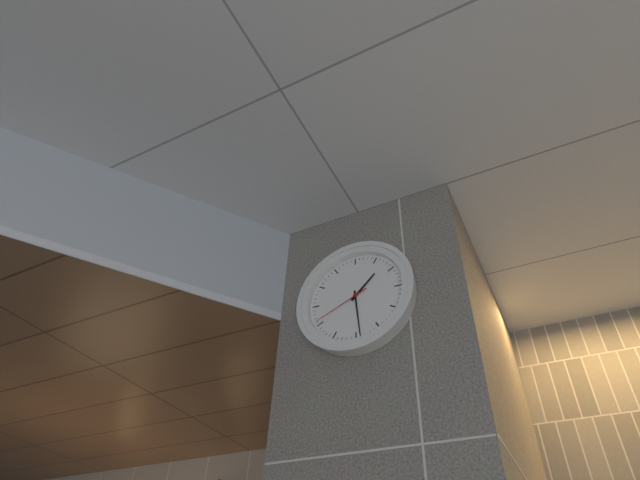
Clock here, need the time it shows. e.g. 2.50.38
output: 1.29.41
